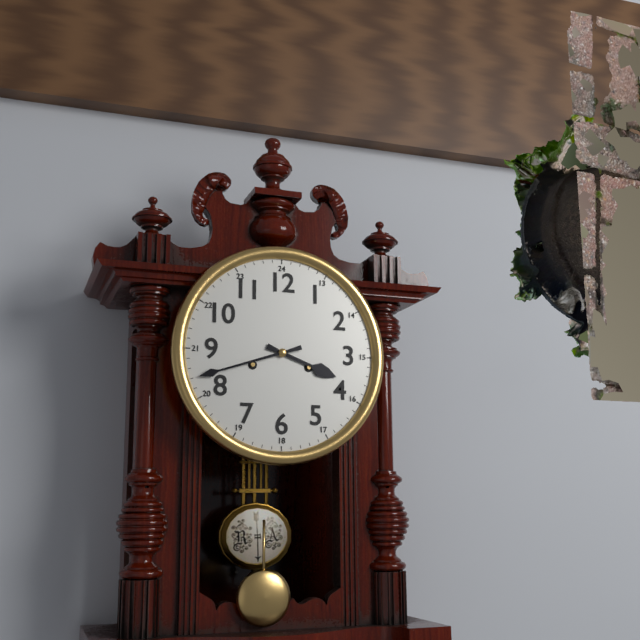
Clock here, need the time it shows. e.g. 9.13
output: 3.42
